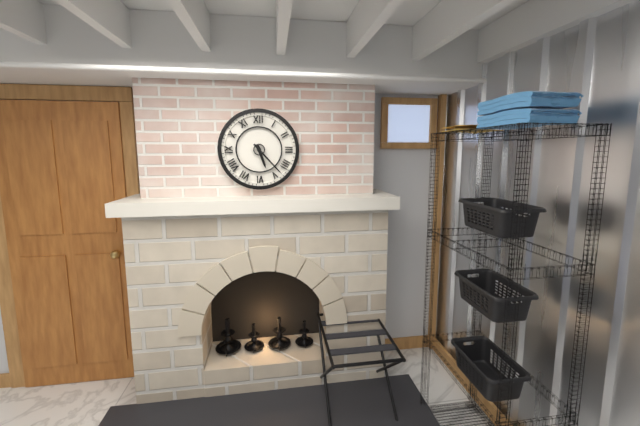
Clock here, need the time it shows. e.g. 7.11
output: 5.23
